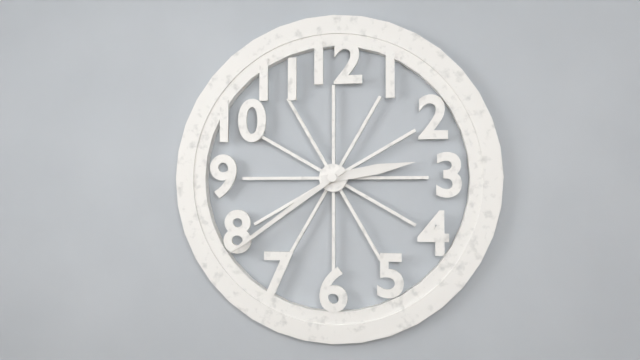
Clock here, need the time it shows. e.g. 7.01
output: 2.39
